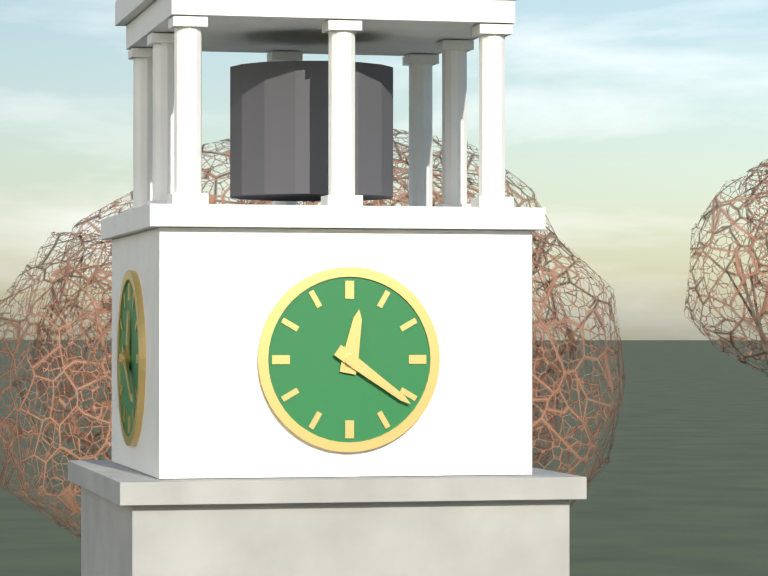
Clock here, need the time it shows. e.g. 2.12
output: 12.21
